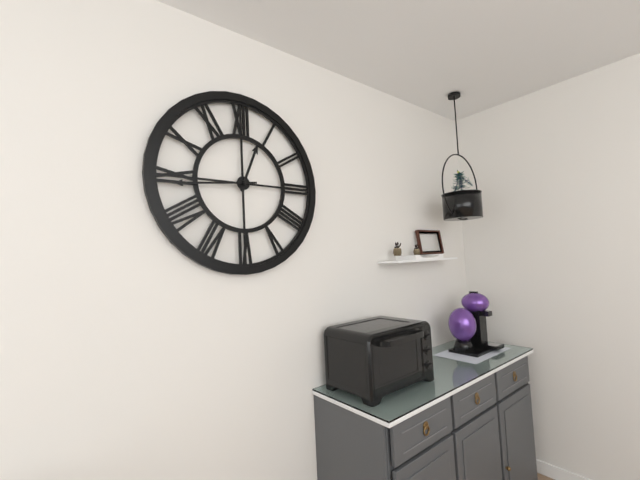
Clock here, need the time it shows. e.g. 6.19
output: 12.44
